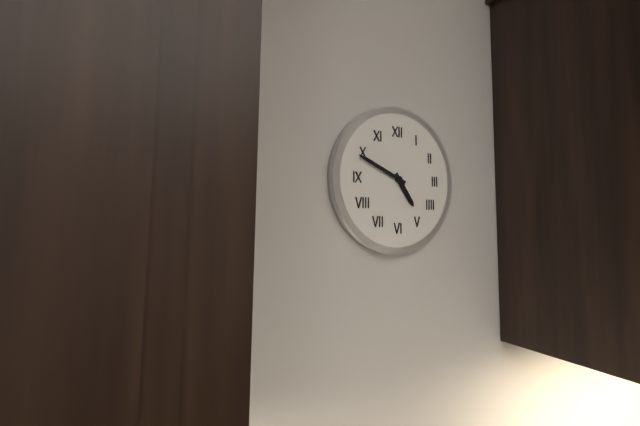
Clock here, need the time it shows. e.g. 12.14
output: 4.49
